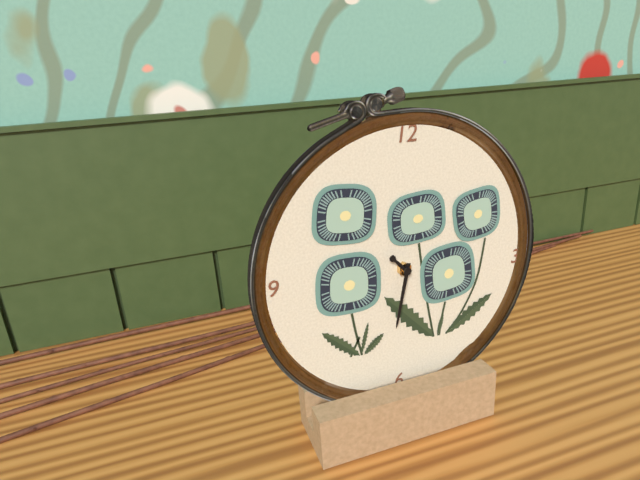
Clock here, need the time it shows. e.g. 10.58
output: 10.32
